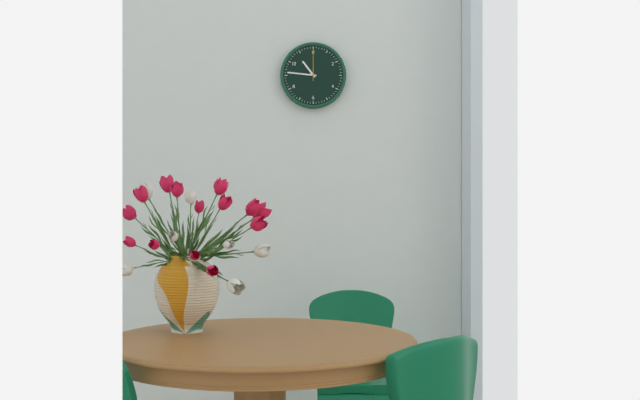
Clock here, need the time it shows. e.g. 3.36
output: 10.46
